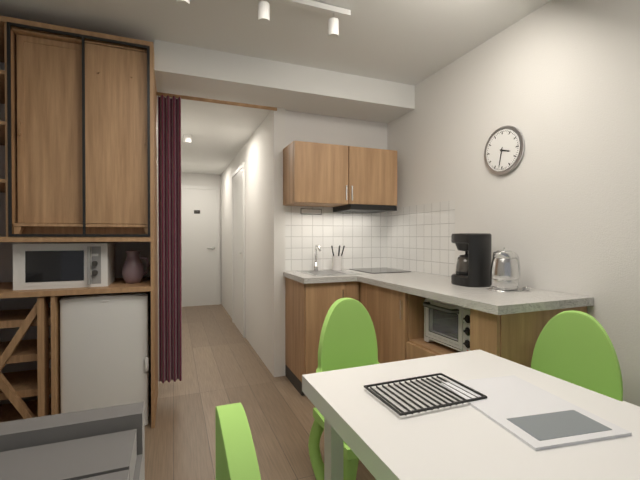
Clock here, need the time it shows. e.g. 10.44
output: 3.32
